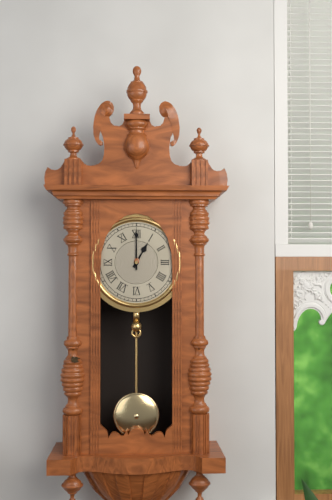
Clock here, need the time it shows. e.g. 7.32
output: 1.00
